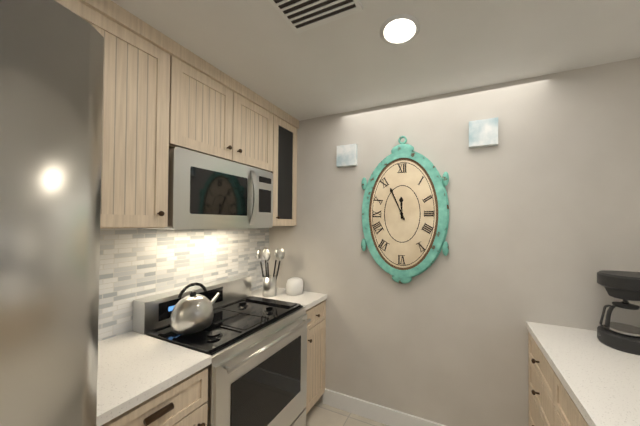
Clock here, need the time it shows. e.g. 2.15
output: 11.56
